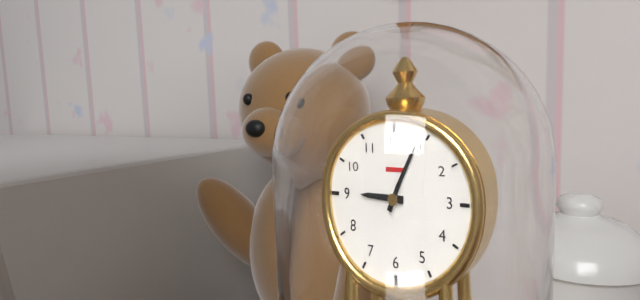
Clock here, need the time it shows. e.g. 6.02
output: 9.04
